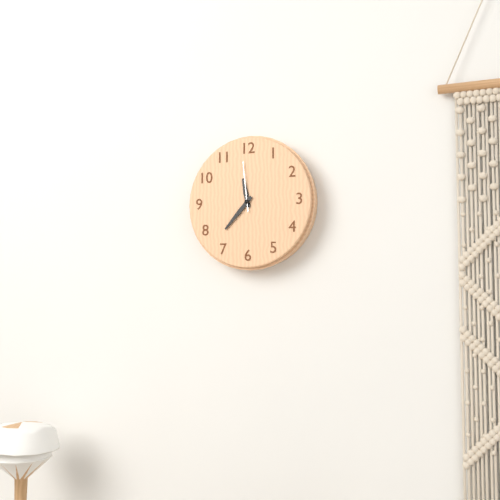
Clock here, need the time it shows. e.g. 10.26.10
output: 11.37.59
